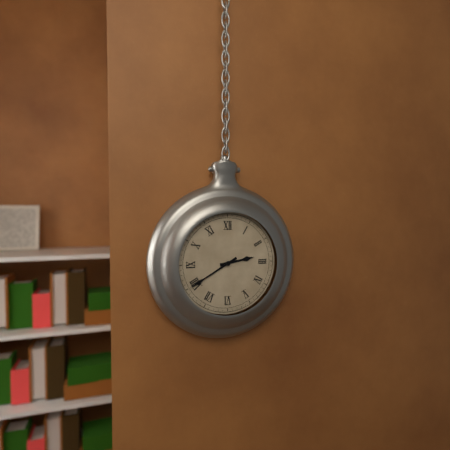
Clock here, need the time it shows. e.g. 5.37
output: 2.40
